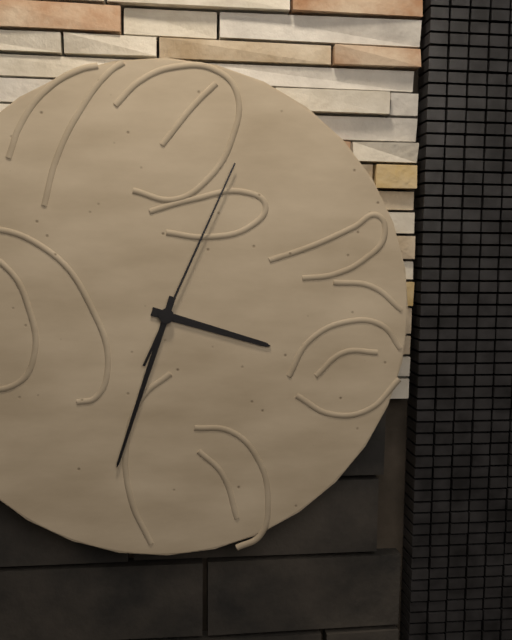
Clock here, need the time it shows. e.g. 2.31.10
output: 3.33.04
